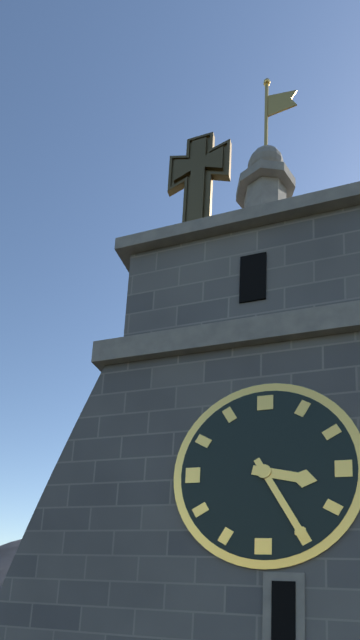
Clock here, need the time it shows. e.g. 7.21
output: 3.25
